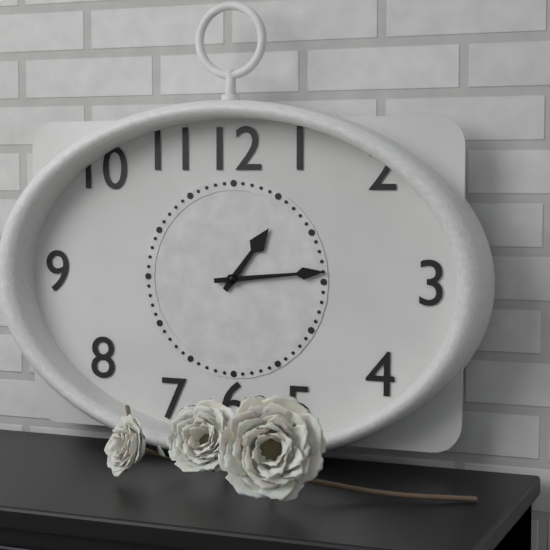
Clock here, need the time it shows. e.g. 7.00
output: 1.14
